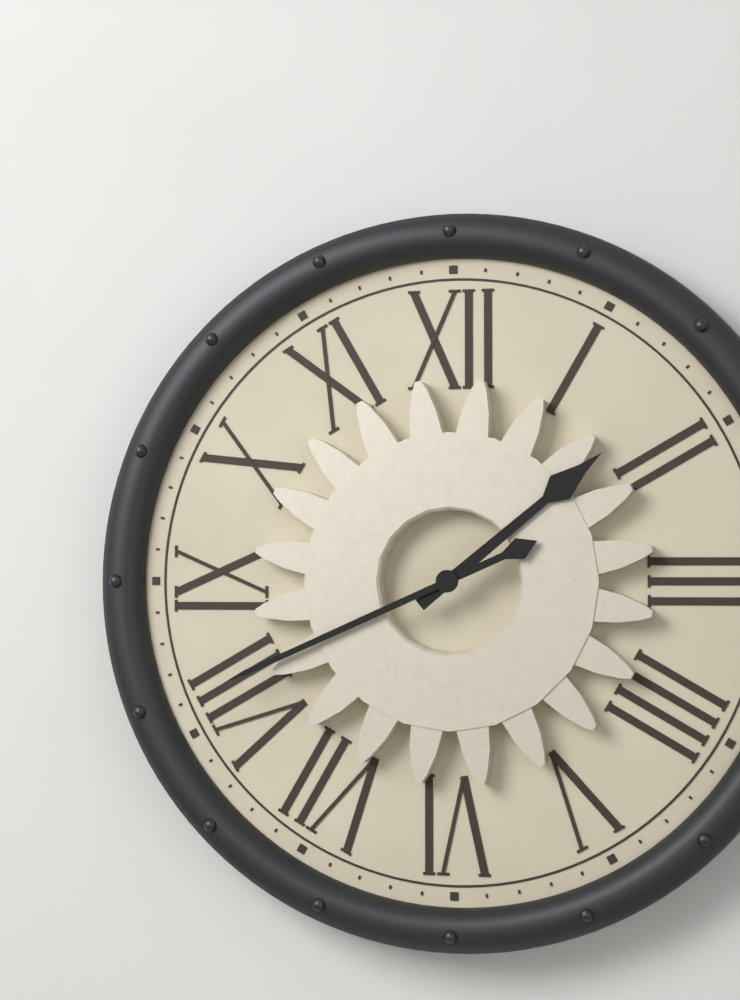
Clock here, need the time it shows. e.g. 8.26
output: 1.41
